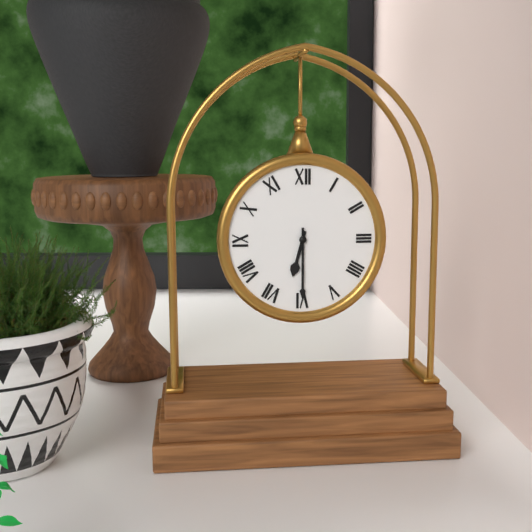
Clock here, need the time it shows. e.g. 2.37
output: 6.30
